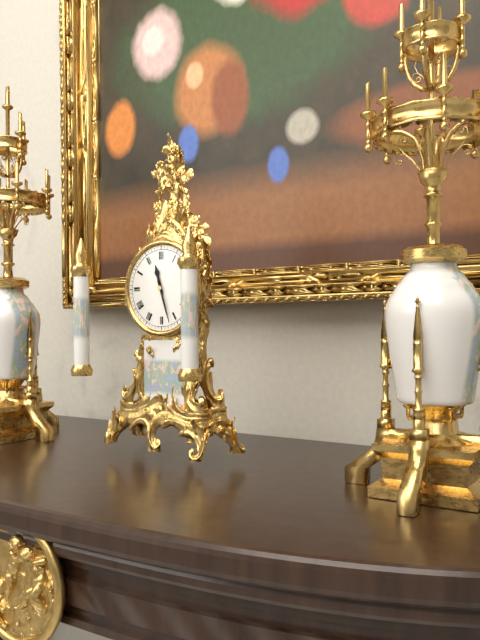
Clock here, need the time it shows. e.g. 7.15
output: 11.27
